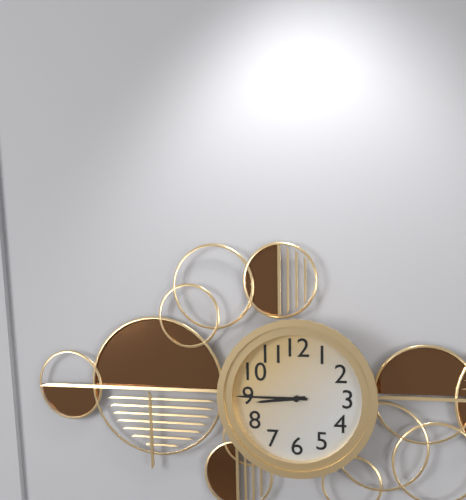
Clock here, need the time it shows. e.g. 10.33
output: 8.45
